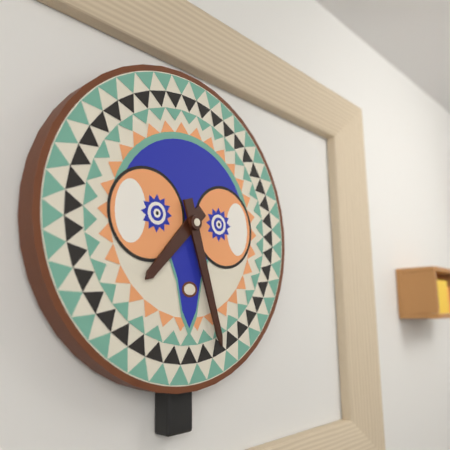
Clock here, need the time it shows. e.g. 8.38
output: 7.27
